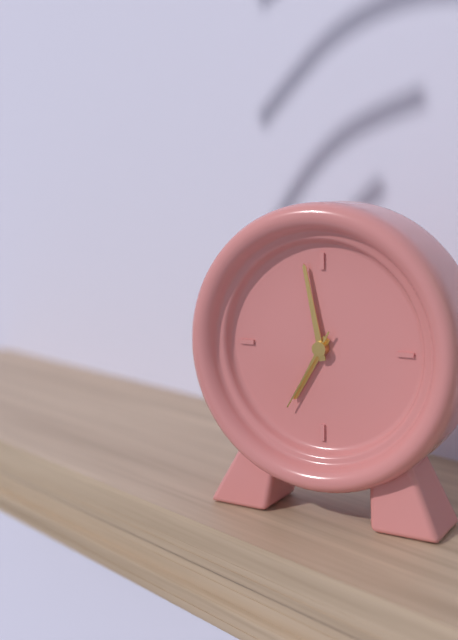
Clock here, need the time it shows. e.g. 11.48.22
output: 6.58.35
